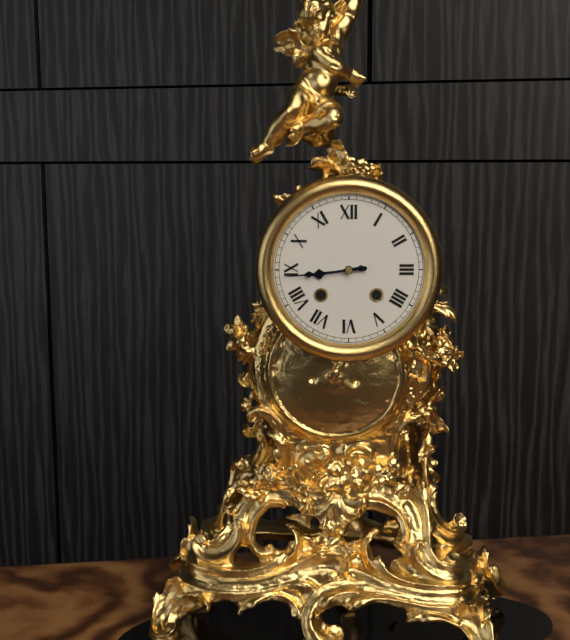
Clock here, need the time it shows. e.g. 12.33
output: 8.44
